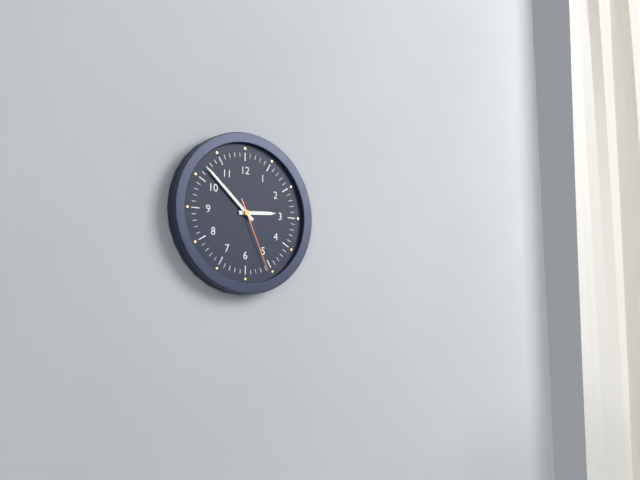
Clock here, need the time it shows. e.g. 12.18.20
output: 2.52.26
